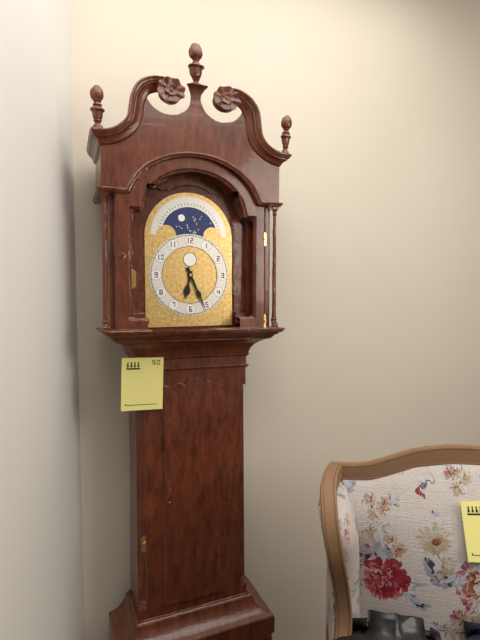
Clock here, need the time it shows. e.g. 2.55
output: 6.26
